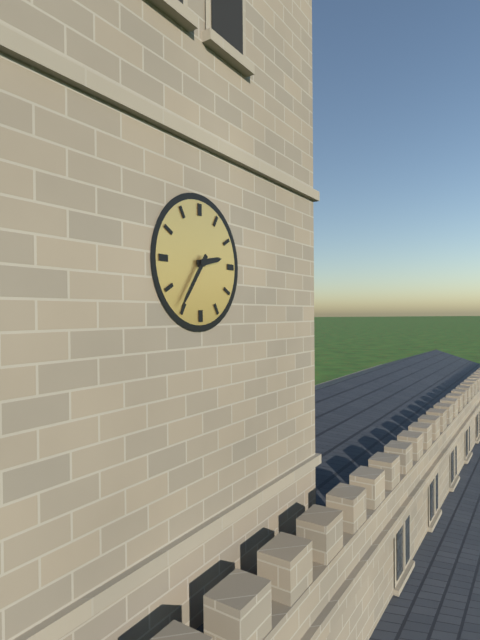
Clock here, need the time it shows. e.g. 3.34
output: 2.36
